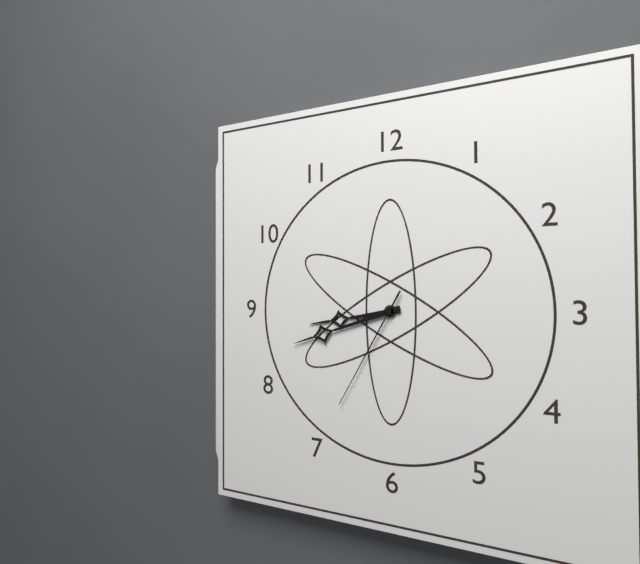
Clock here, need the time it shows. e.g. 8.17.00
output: 8.42.35
